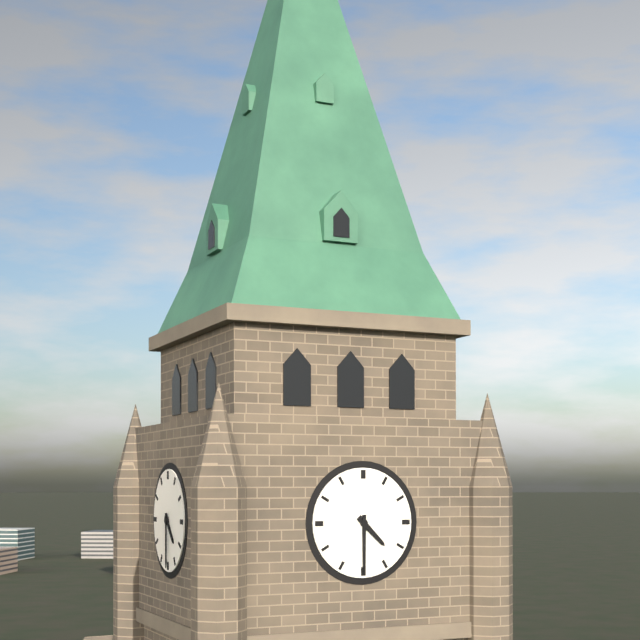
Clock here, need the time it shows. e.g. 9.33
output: 4.30
